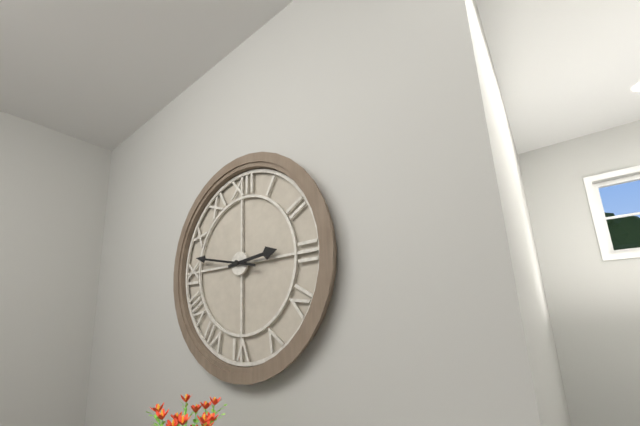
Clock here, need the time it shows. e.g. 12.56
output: 2.47
